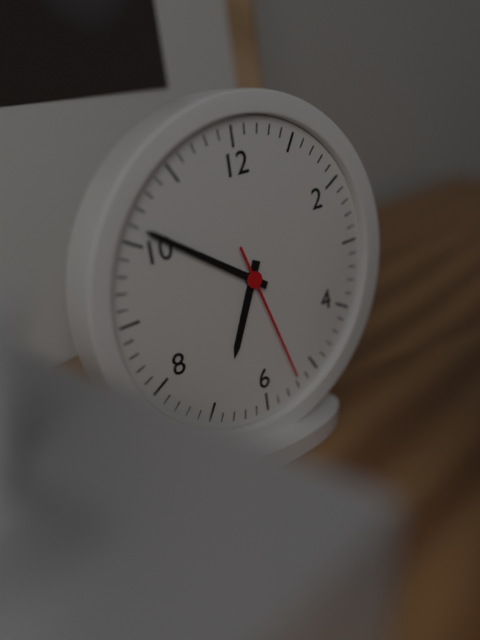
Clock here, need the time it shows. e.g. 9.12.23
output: 6.51.27
